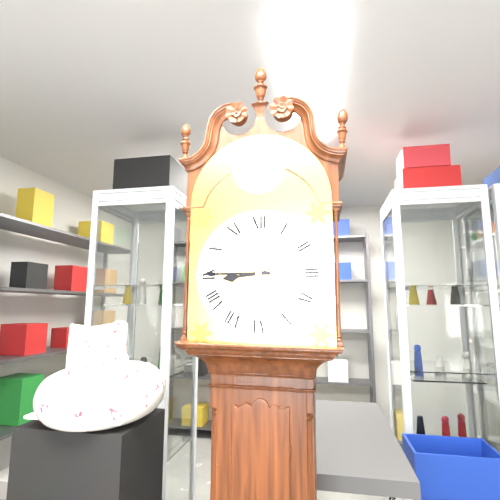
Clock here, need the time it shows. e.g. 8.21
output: 8.45
